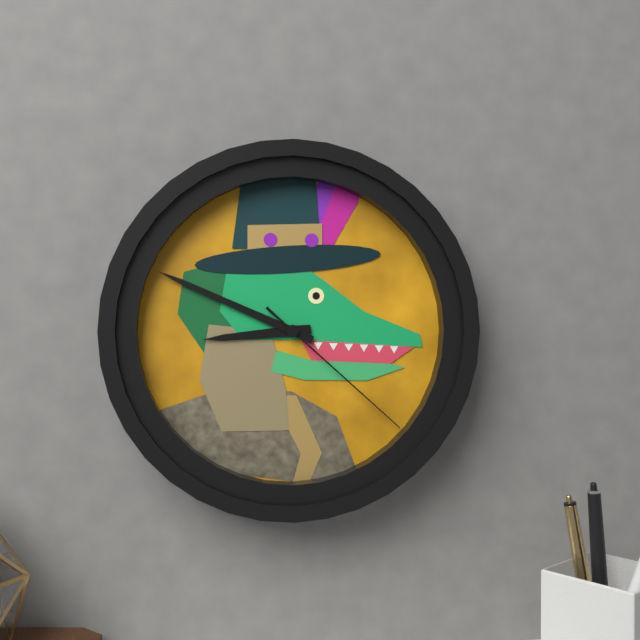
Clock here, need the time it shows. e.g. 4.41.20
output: 8.49.22
